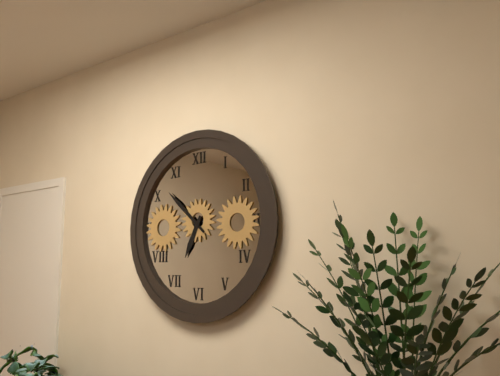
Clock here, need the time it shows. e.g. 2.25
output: 6.52
